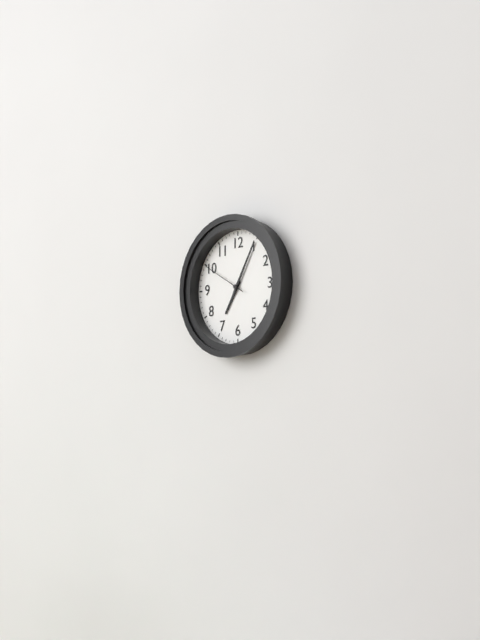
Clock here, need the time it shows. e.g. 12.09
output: 7.05
